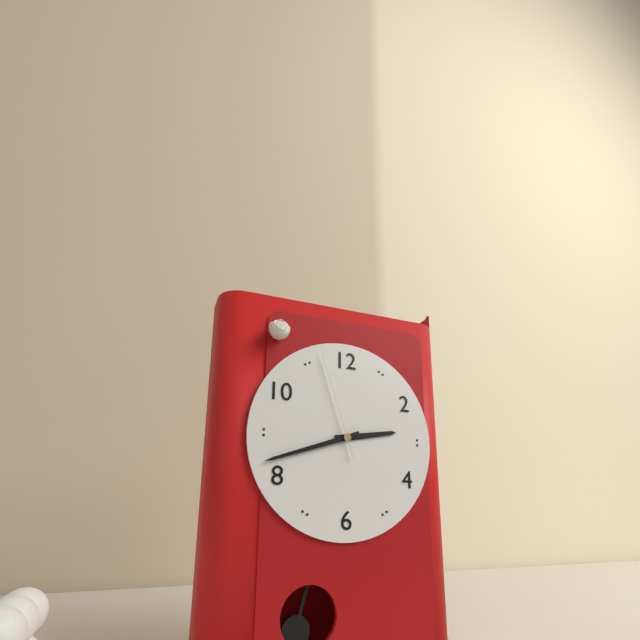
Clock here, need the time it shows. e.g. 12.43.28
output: 2.42.57
